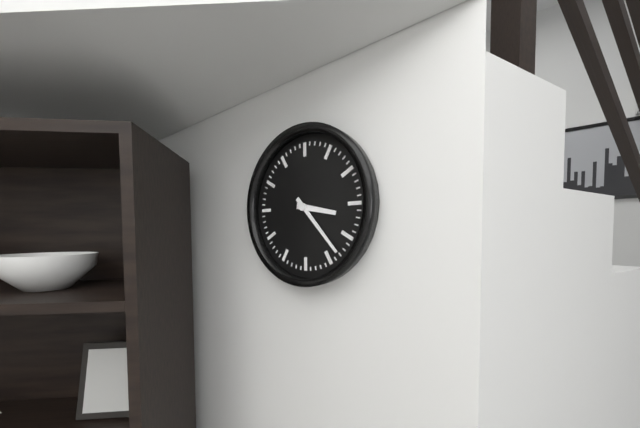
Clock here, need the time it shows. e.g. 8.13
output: 3.23
